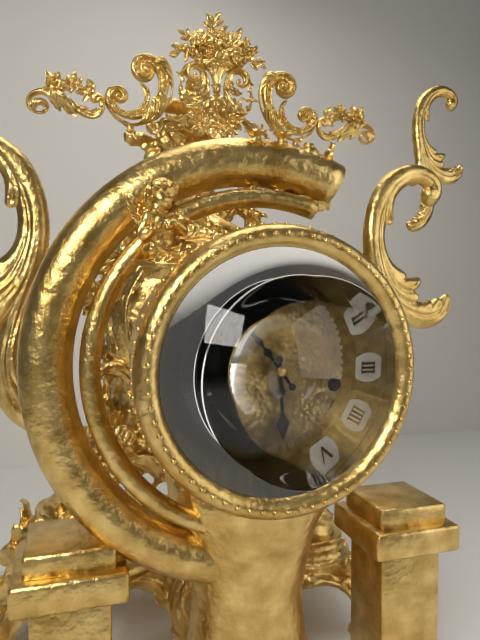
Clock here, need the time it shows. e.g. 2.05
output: 5.54
